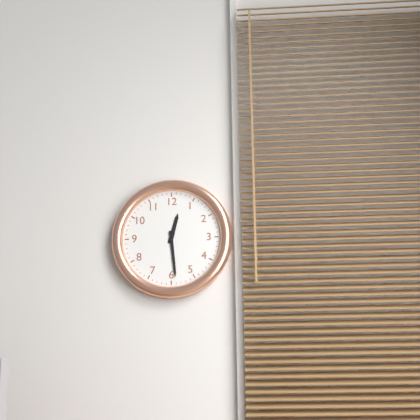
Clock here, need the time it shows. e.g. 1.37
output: 12.29
